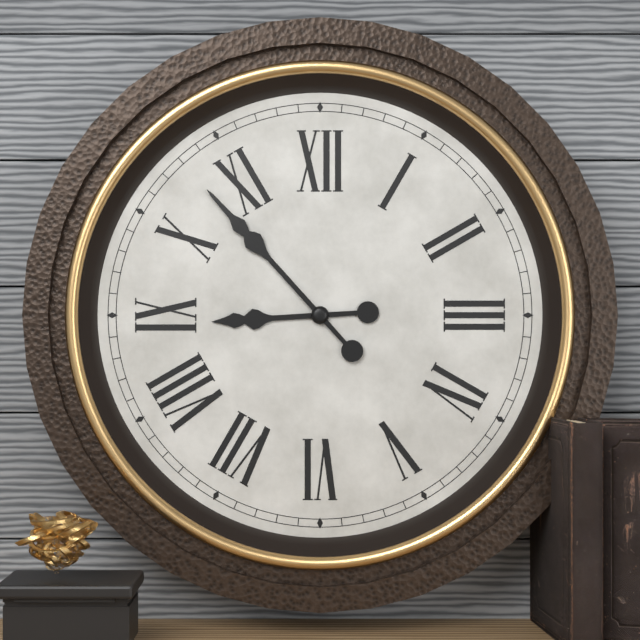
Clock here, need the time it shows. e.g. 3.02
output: 8.53
